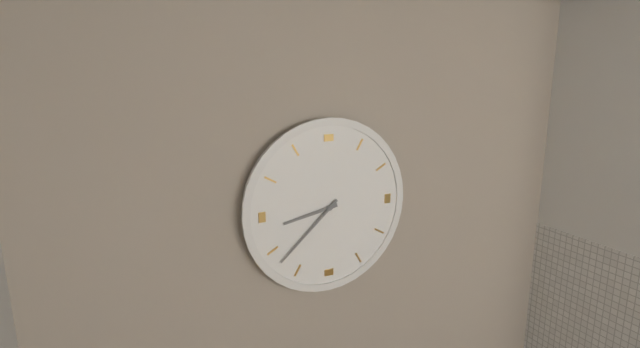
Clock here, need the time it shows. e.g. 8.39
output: 8.38
